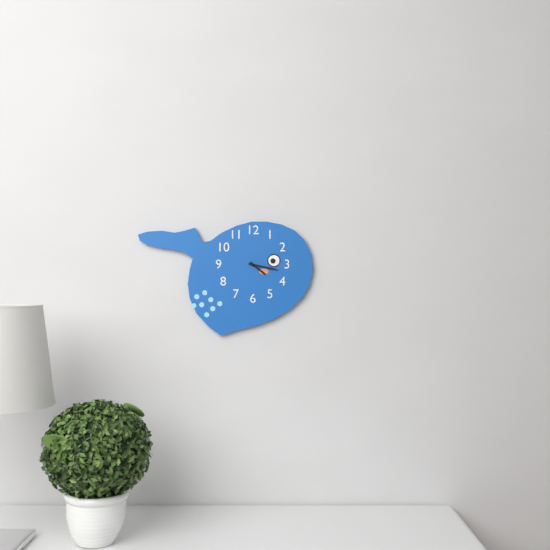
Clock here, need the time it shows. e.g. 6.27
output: 4.17
